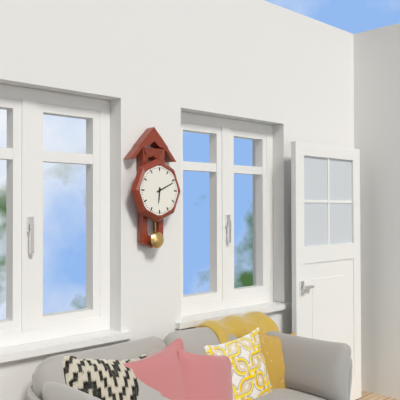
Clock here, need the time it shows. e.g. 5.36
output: 6.11
